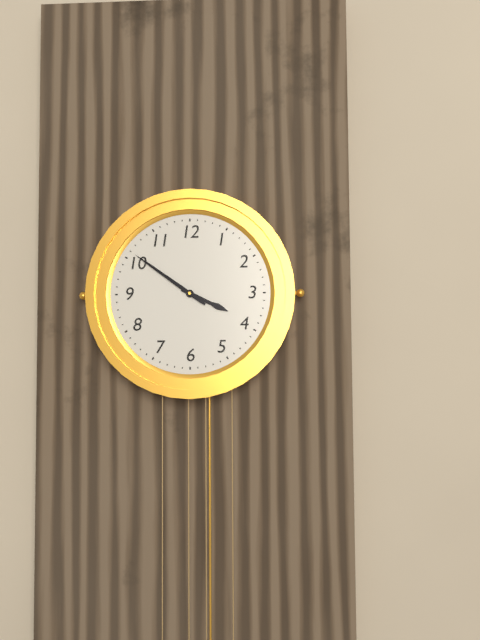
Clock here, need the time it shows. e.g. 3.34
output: 3.51
